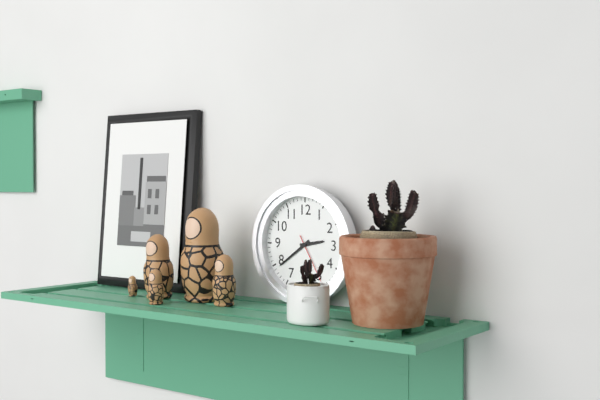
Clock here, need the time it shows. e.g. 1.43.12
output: 2.39.25
